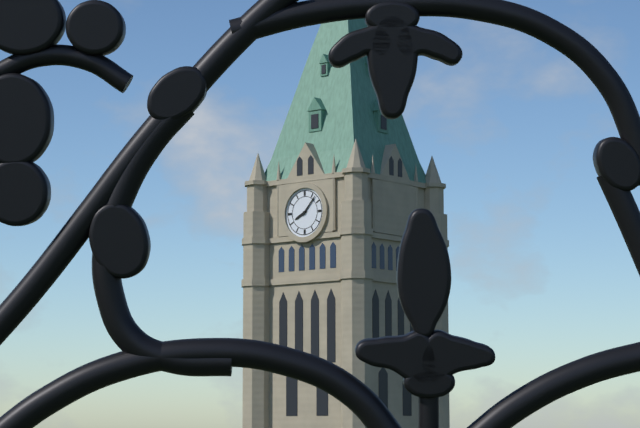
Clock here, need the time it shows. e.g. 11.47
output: 8.07
